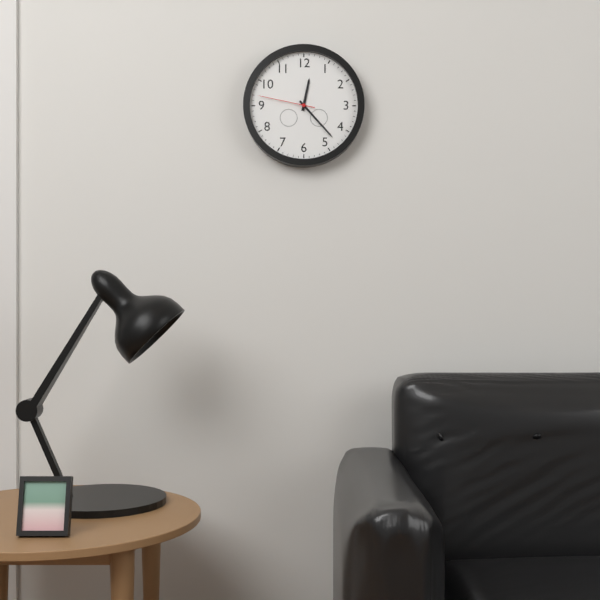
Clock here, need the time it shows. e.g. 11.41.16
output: 12.23.47
